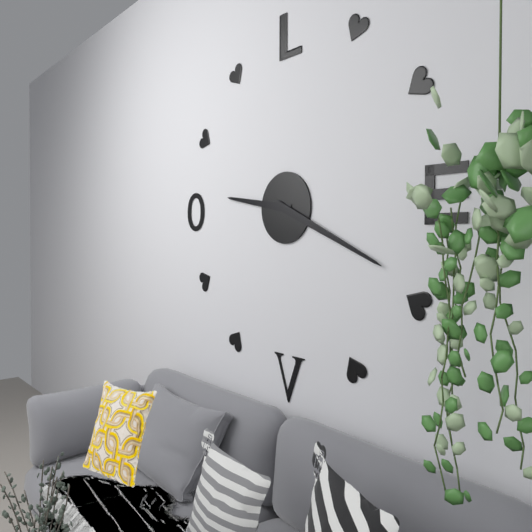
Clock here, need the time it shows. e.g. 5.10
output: 9.19
